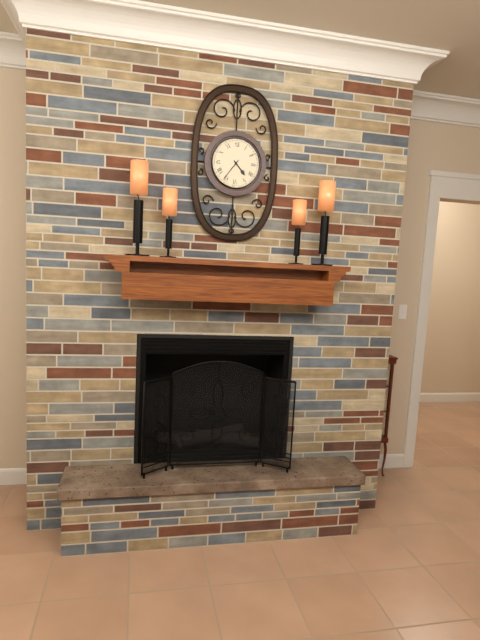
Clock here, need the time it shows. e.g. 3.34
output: 4.36
